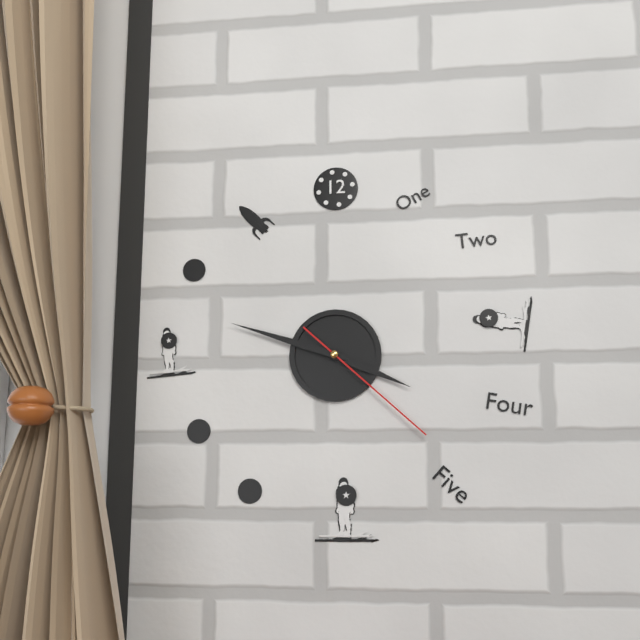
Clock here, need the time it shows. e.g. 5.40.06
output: 3.48.22
